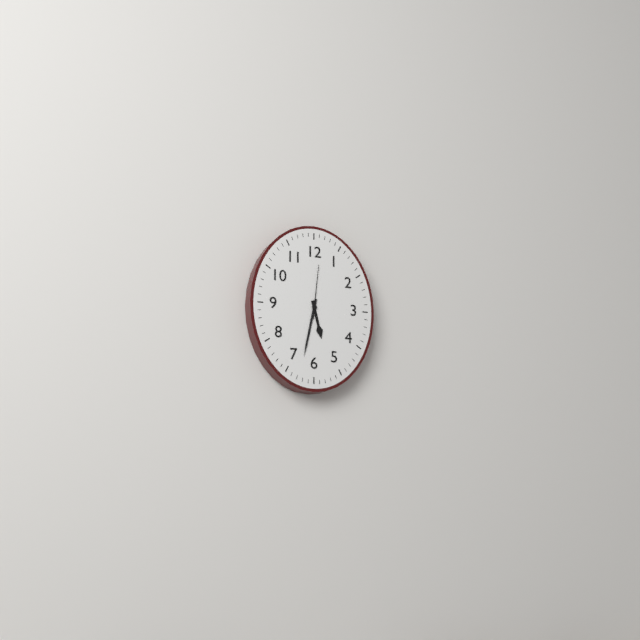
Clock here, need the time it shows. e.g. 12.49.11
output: 5.32.01
